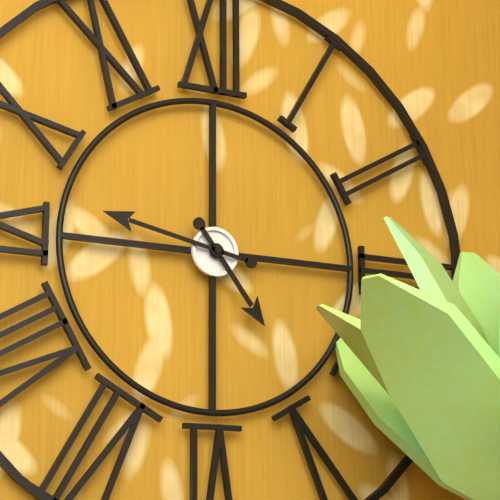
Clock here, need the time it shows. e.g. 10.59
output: 4.47
